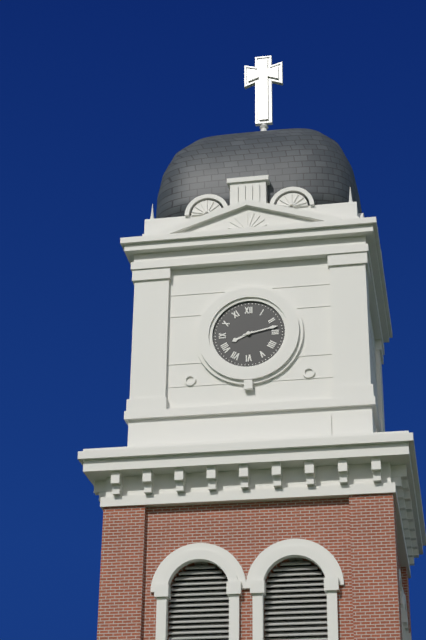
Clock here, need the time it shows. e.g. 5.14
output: 8.13
